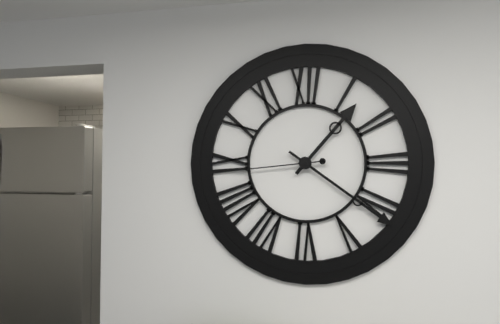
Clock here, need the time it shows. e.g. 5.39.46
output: 1.21.44
